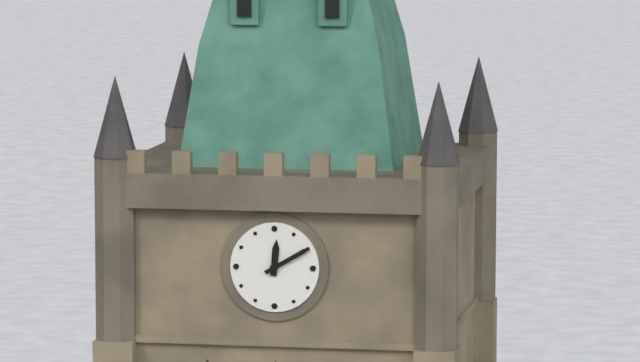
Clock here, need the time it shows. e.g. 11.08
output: 12.10
